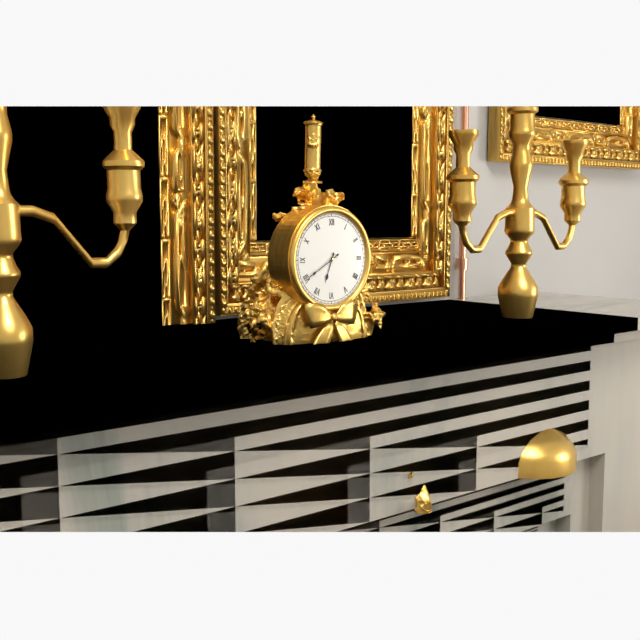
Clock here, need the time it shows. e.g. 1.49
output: 6.40
